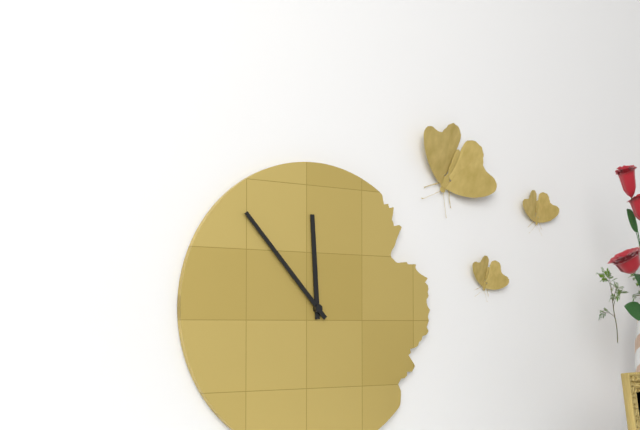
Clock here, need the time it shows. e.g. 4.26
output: 11.53
